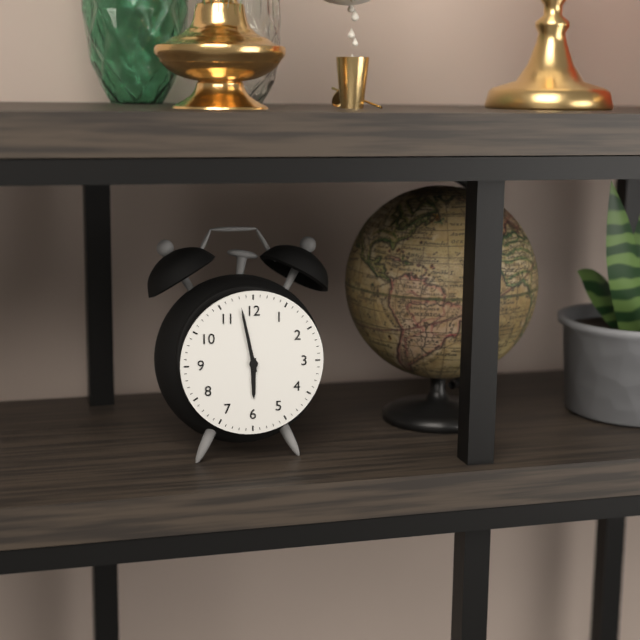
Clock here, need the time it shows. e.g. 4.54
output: 5.58
